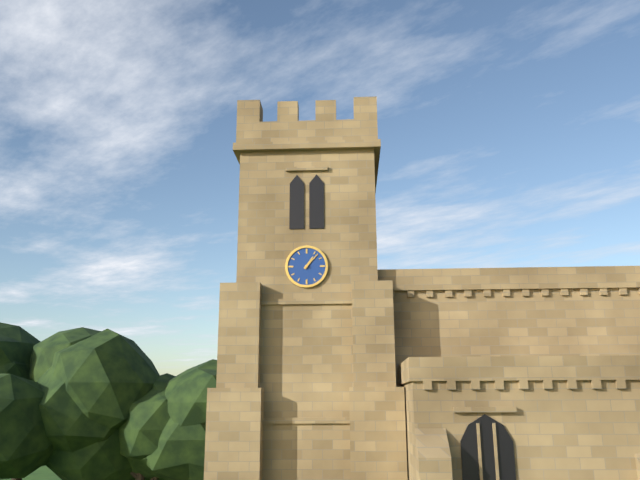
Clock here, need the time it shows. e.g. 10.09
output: 1.07
